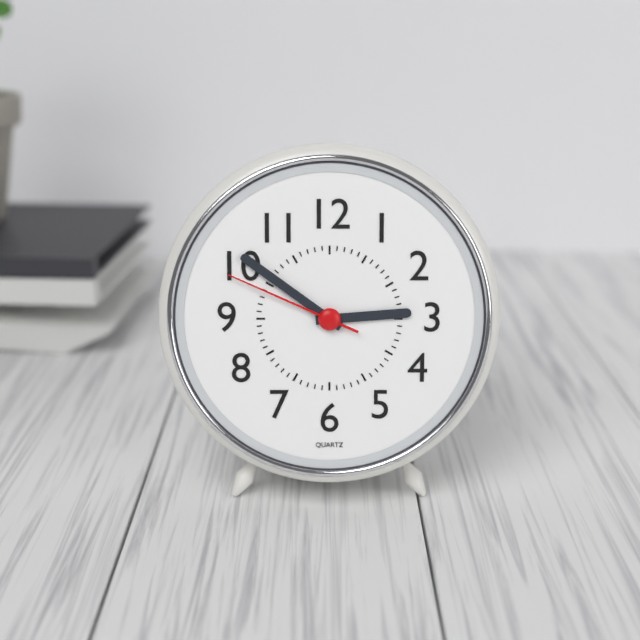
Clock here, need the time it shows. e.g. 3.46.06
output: 2.51.49
